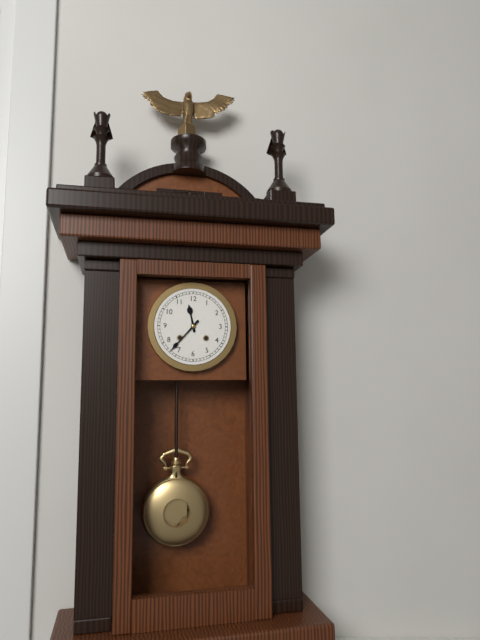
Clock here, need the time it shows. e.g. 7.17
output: 11.37
